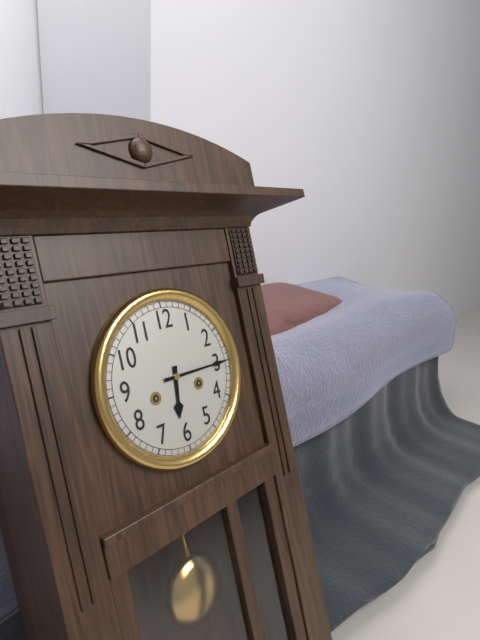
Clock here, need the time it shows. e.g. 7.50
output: 6.15
